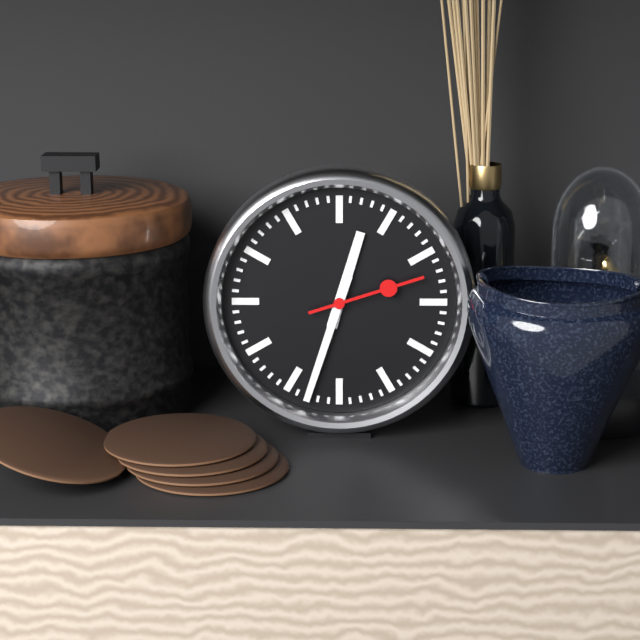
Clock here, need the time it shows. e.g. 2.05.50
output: 12.33.12
